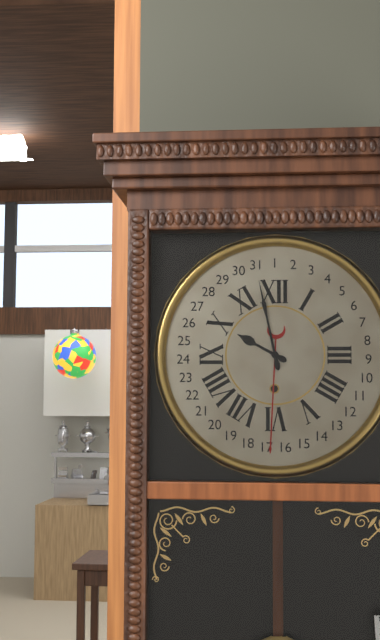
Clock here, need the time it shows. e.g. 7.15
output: 9.58
